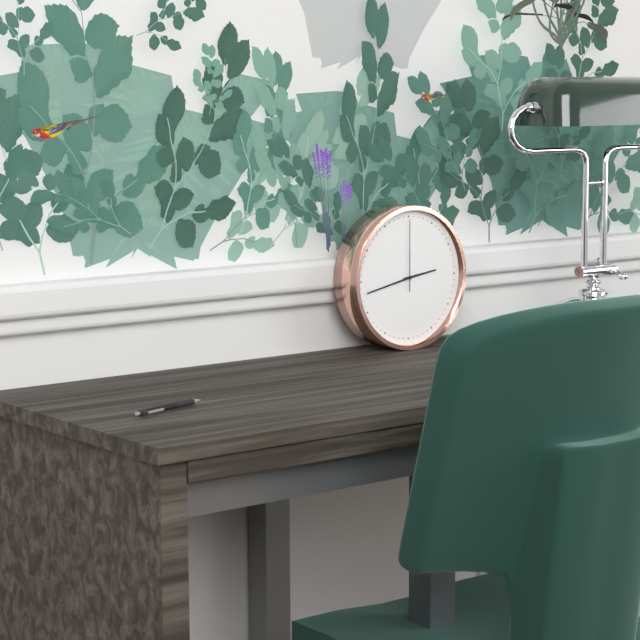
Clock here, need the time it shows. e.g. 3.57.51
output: 2.43.00
